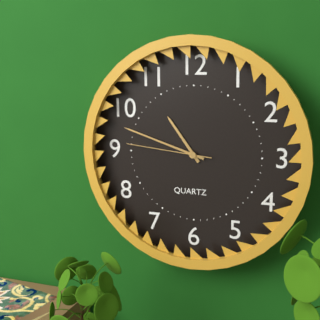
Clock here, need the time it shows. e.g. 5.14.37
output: 10.48.46
